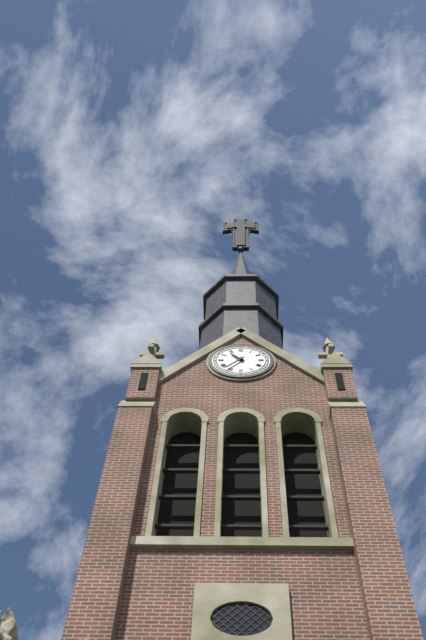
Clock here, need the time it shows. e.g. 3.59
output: 10.37
